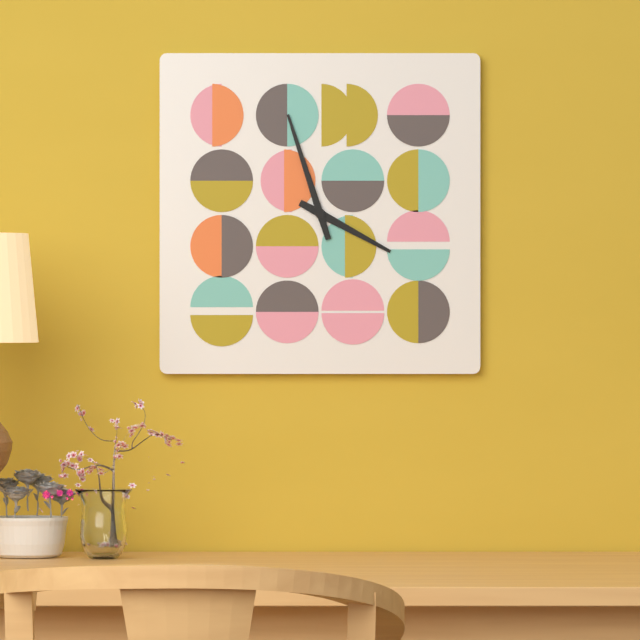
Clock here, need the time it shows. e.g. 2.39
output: 3.57
